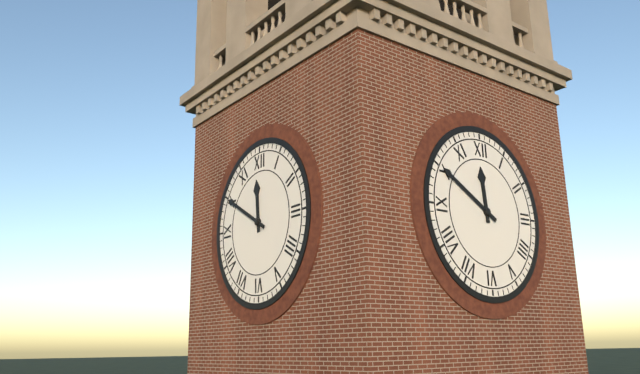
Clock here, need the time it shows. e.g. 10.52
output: 11.50
